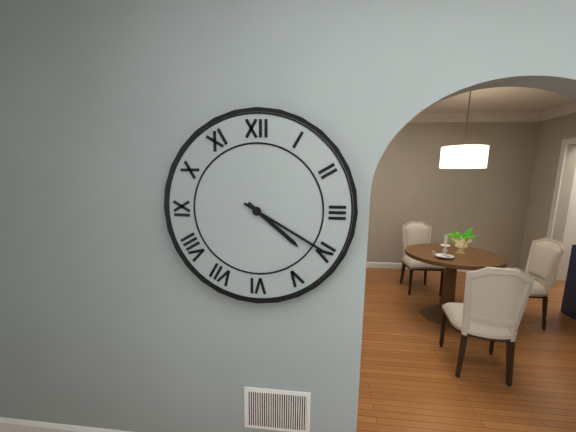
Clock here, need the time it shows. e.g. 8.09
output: 4.20
